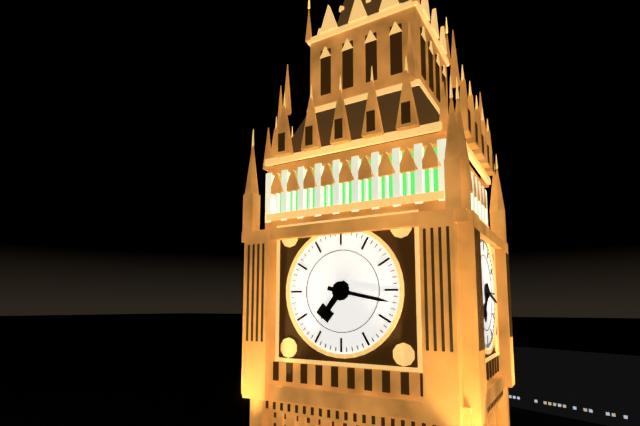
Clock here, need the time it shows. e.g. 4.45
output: 7.17
